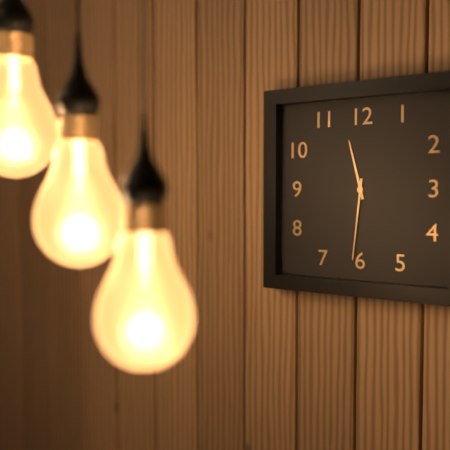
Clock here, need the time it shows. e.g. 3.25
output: 11.31
